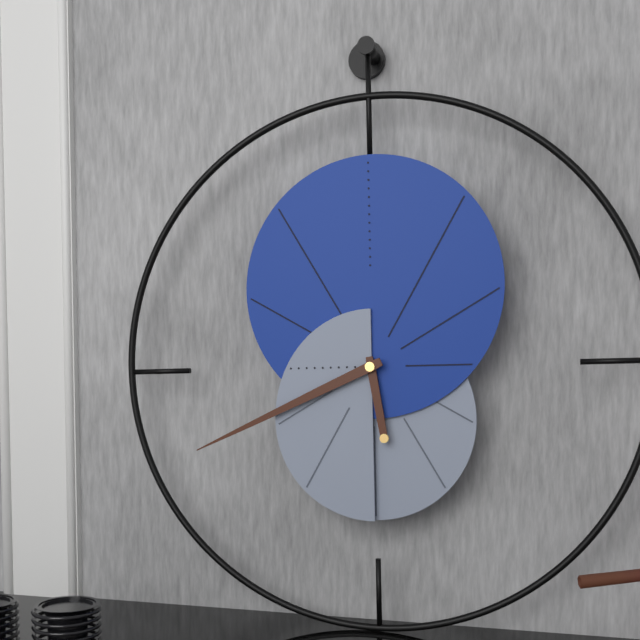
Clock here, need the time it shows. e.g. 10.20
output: 5.41
